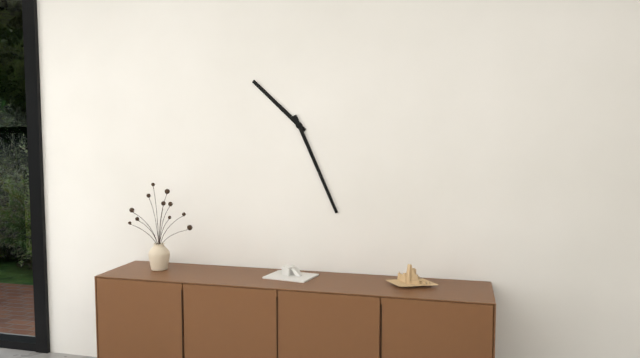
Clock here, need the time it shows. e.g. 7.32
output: 10.26
